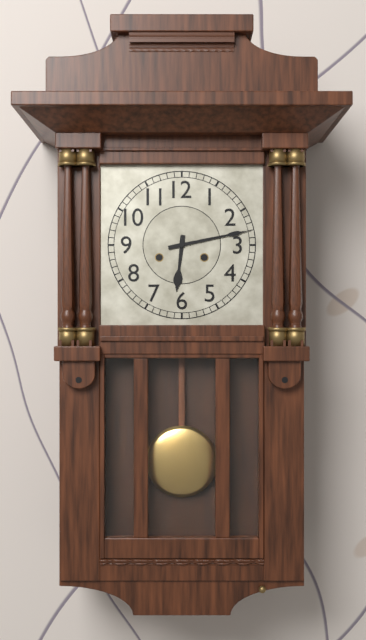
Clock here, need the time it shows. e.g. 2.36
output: 6.13
